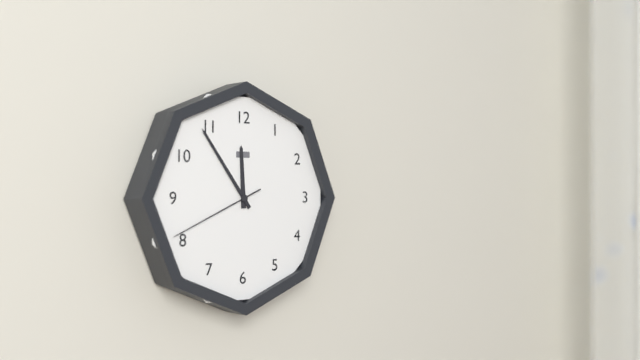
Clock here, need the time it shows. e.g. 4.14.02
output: 11.54.41
